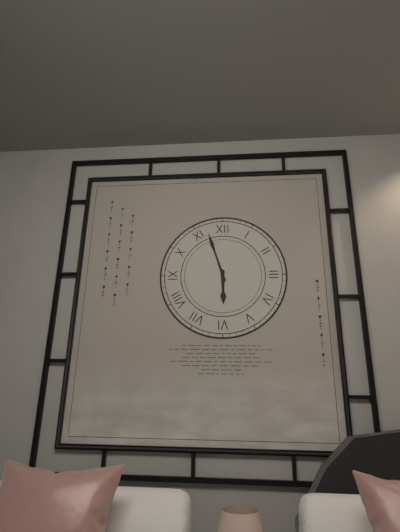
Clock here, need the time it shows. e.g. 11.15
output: 5.57
